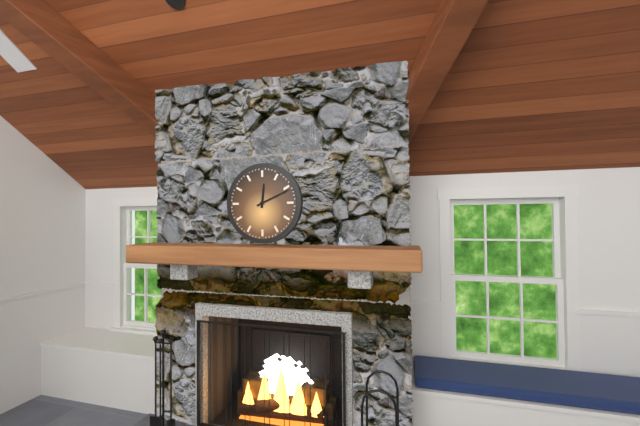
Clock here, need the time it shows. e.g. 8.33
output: 12.11
